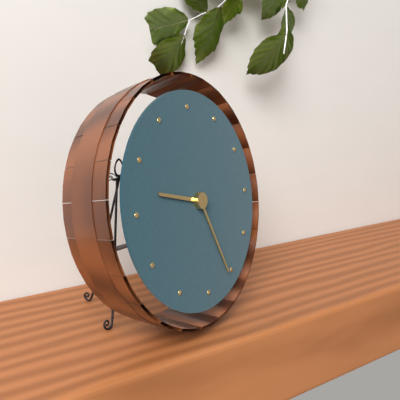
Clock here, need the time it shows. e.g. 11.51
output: 9.26
